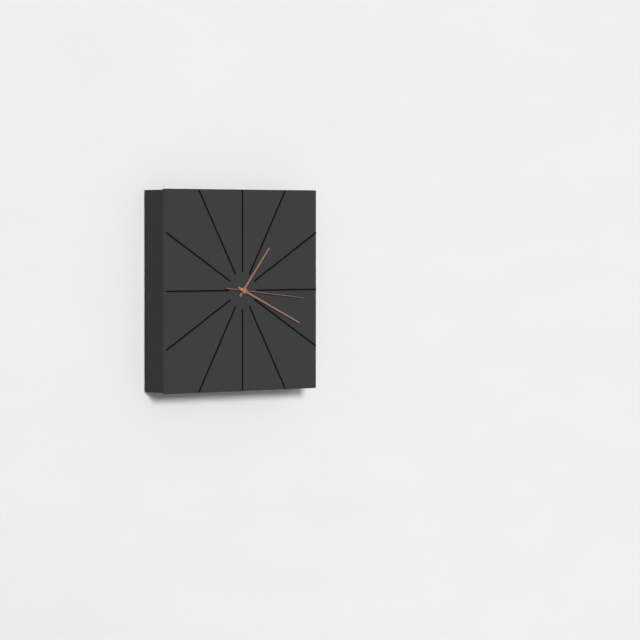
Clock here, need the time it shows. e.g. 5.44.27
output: 1.19.16
